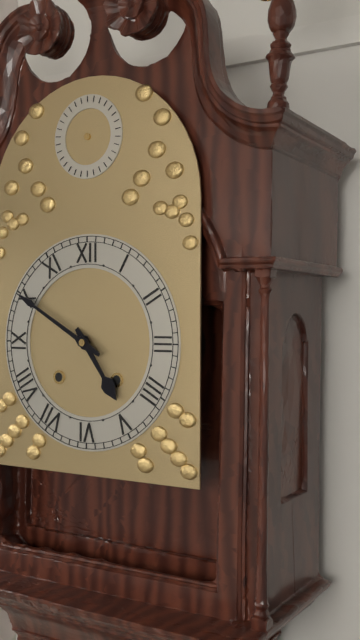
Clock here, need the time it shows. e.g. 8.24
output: 4.50
